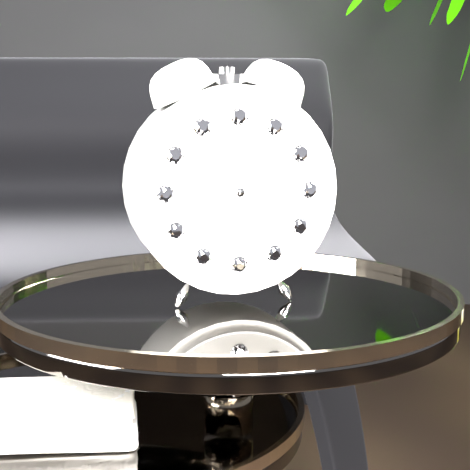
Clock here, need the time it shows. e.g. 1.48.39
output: 6.47.15
